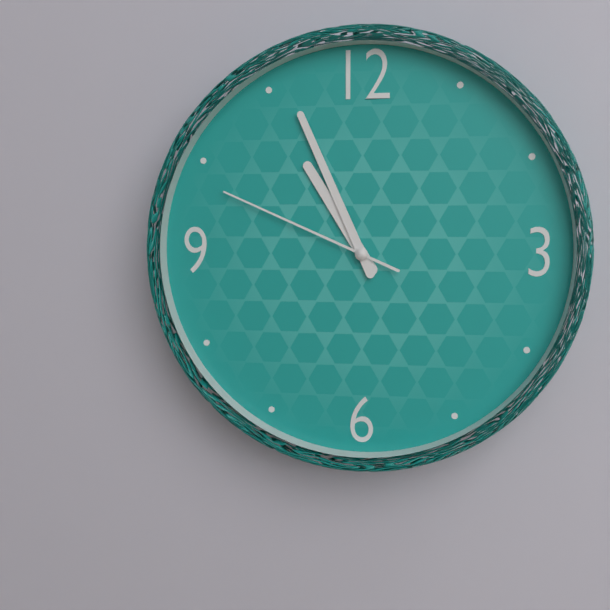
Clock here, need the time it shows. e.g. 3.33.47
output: 10.56.49
